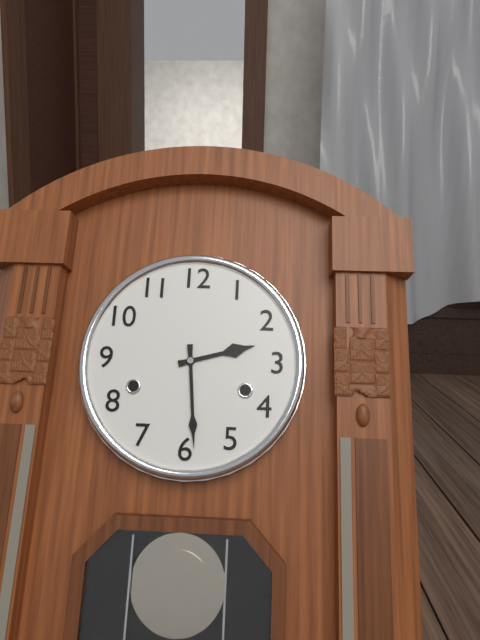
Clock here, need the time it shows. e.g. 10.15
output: 2.29
